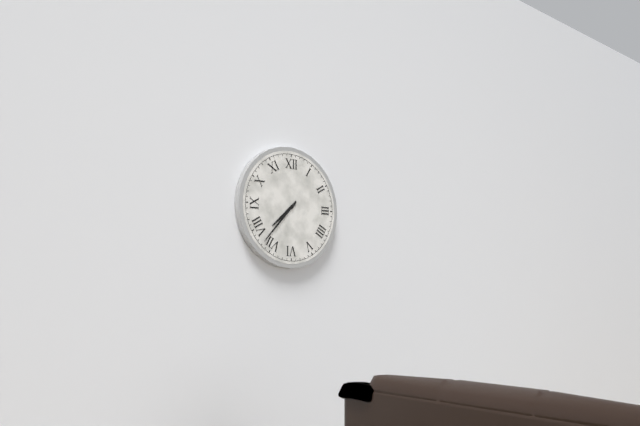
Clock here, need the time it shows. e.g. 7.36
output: 7.37
